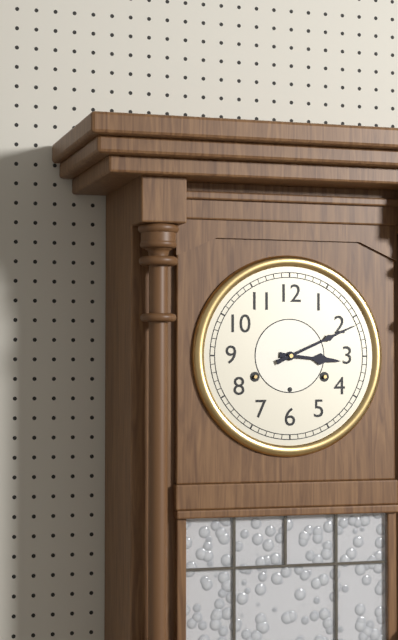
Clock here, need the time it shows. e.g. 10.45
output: 3.11
